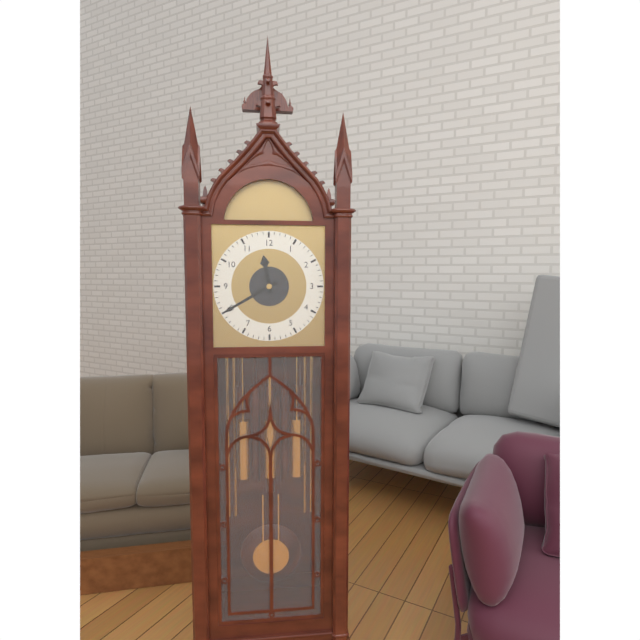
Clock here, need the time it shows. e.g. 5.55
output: 11.40
